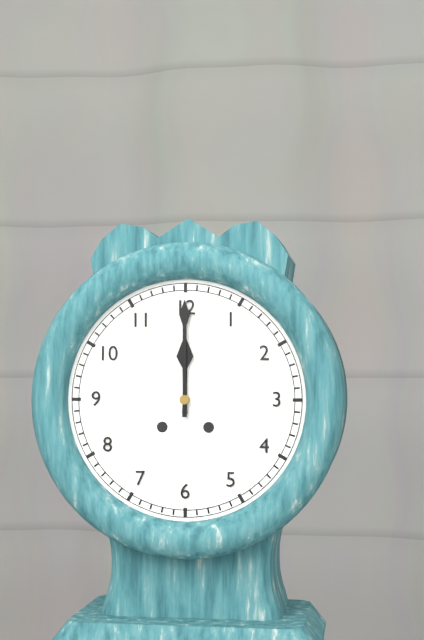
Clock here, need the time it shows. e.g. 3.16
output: 12.00
